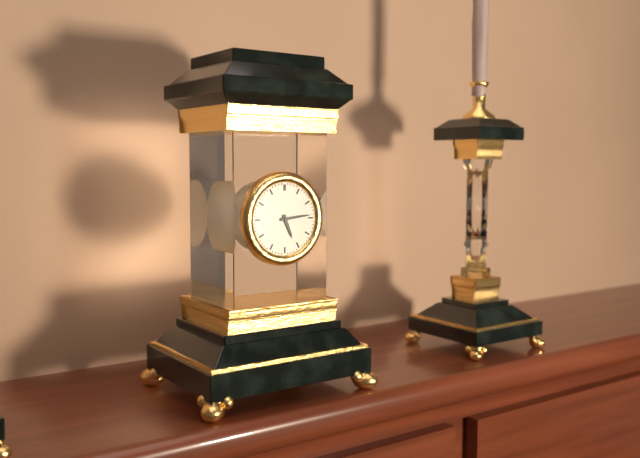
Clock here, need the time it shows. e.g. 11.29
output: 5.14
